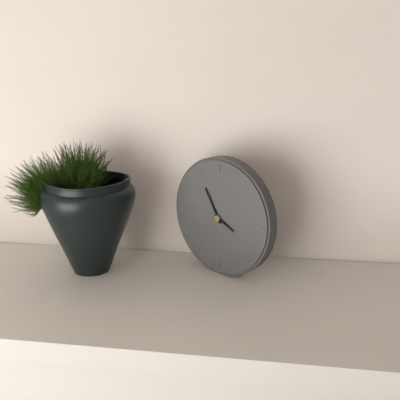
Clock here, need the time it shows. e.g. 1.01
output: 3.55
